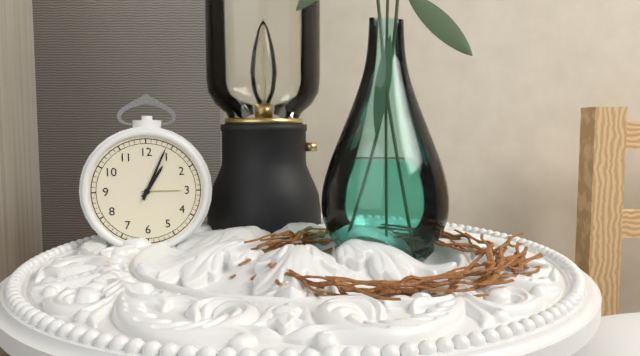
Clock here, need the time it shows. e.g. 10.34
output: 1.04
